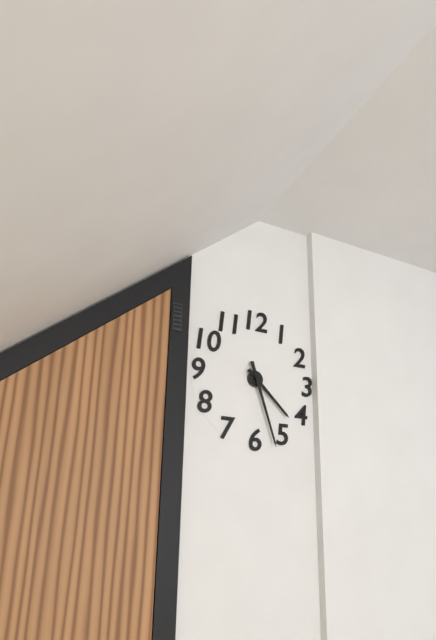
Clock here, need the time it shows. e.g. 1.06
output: 4.27
